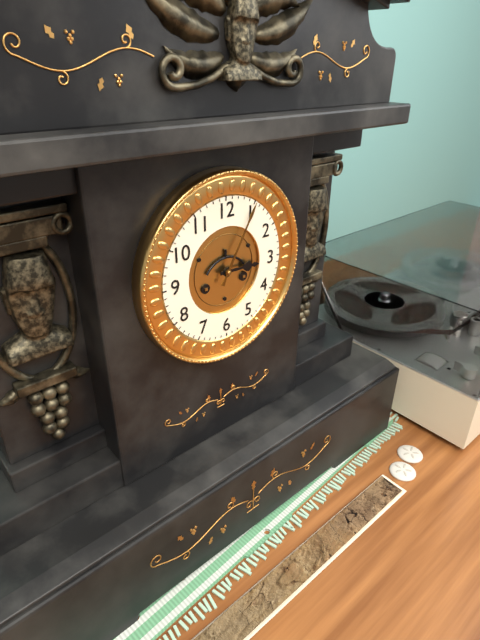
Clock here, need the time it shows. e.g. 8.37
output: 3.05
